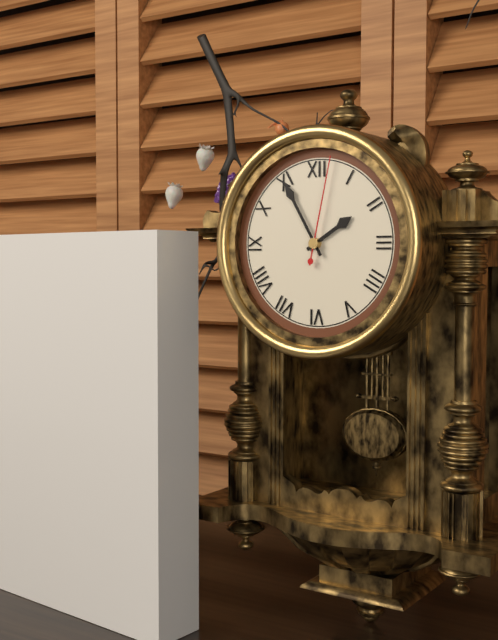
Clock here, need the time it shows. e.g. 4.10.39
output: 1.55.02
